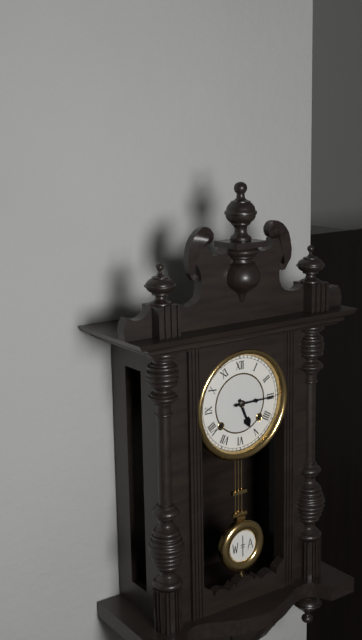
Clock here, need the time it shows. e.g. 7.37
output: 5.15
